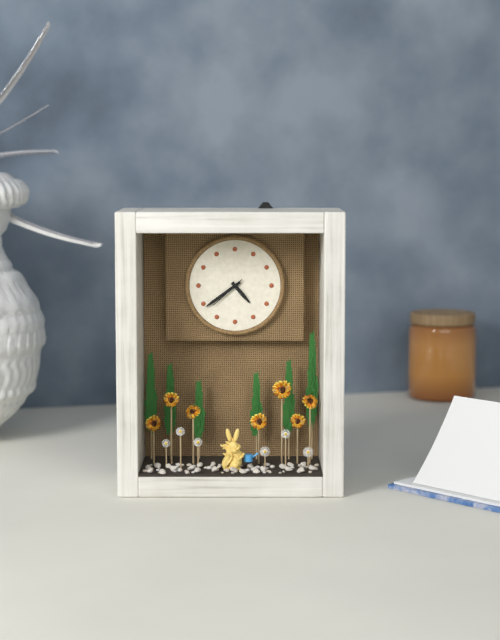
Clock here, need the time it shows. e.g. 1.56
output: 4.39
